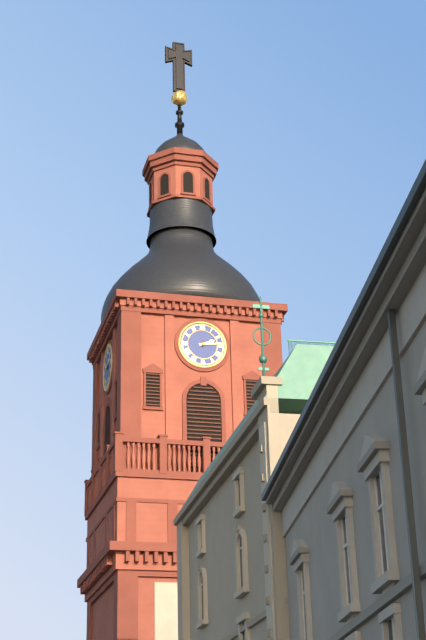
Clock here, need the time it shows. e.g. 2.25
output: 2.14
